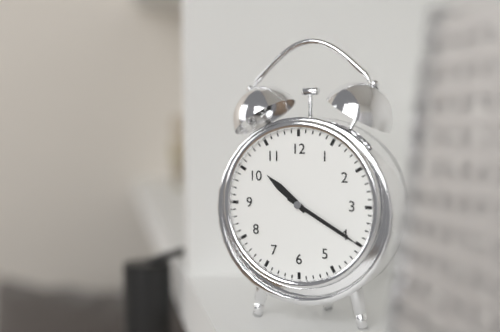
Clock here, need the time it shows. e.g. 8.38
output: 10.20
